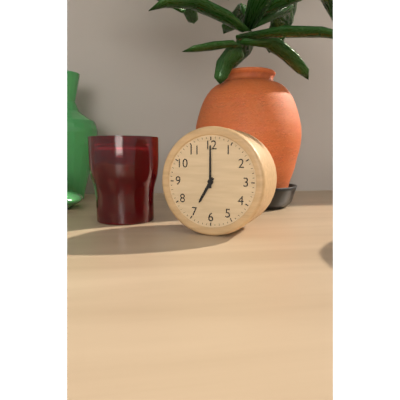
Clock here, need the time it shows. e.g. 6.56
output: 7.00
